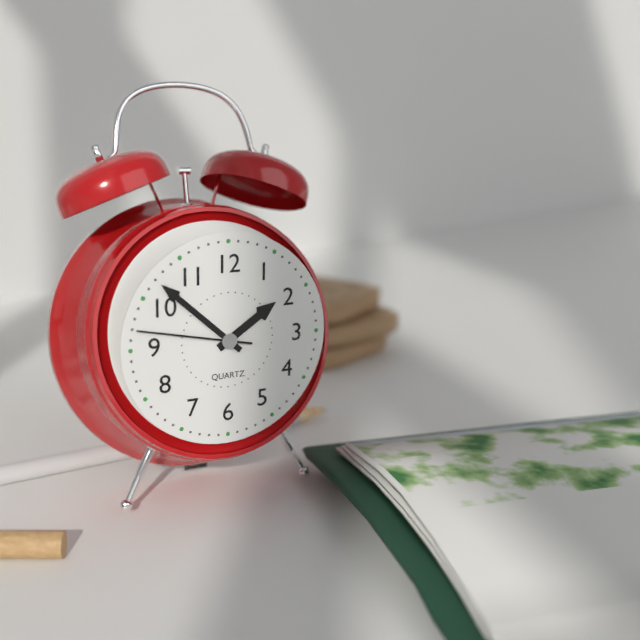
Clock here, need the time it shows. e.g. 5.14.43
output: 1.52.47
